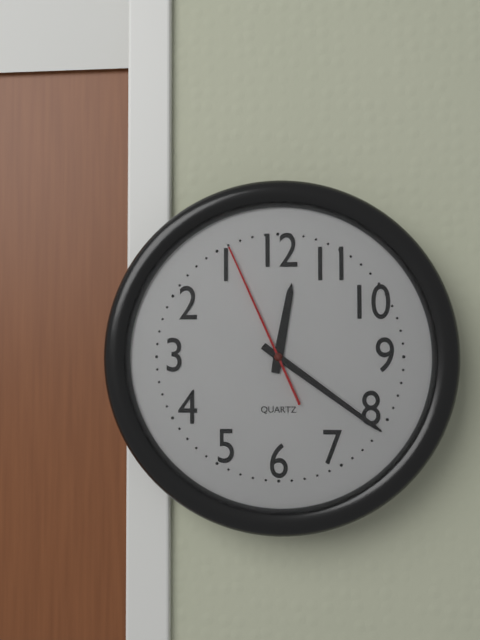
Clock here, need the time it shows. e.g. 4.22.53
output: 12.21.56
